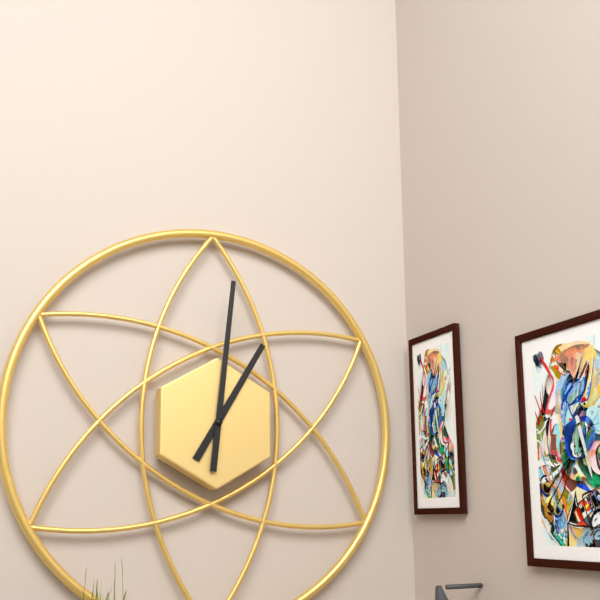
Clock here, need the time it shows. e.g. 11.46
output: 1.01
